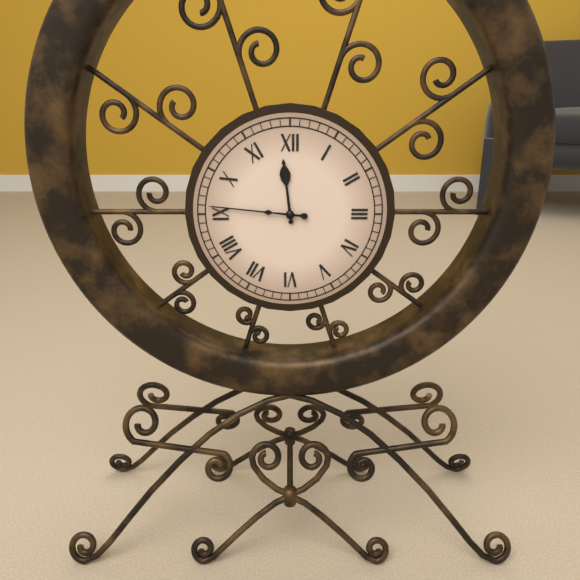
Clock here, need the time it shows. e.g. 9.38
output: 11.46
